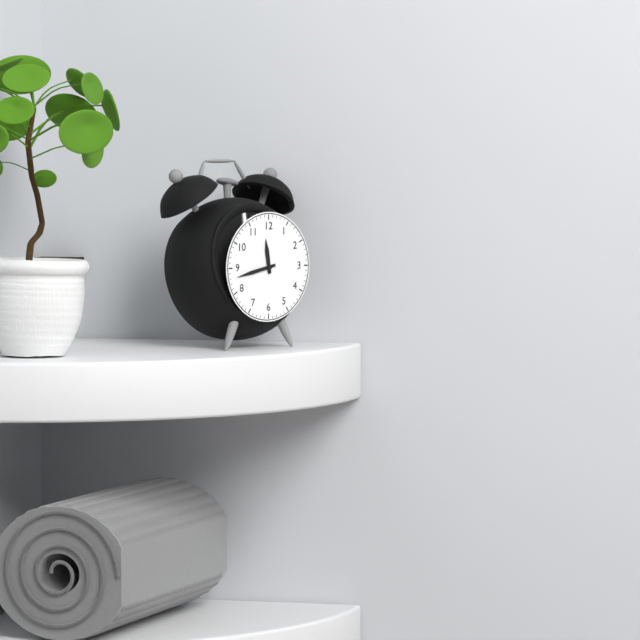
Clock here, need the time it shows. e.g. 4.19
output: 11.43
